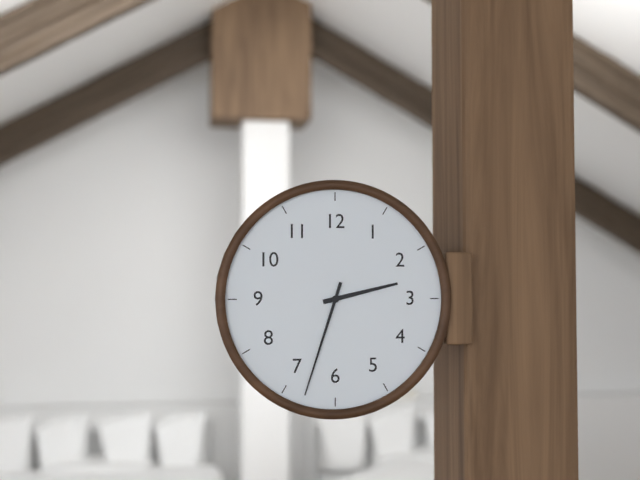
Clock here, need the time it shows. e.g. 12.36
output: 2.33
